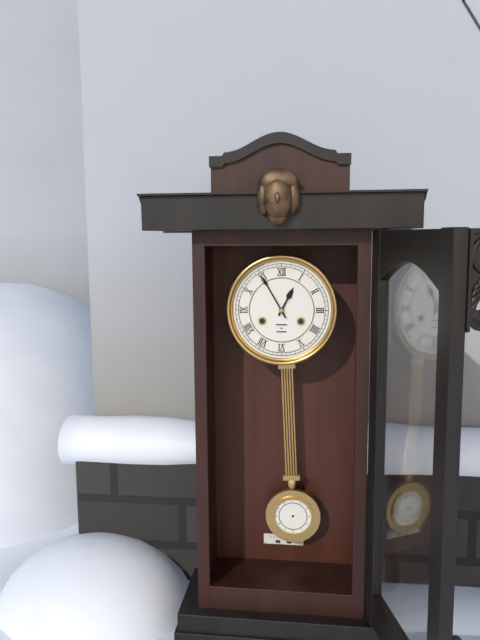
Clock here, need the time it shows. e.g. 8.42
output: 12.55
